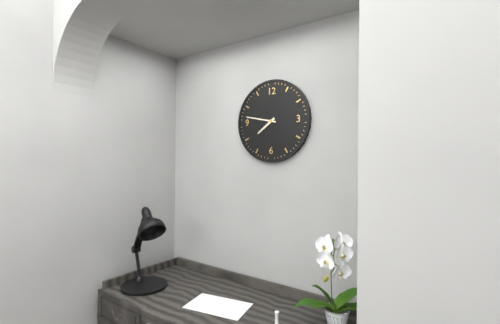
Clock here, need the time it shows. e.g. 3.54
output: 7.47
